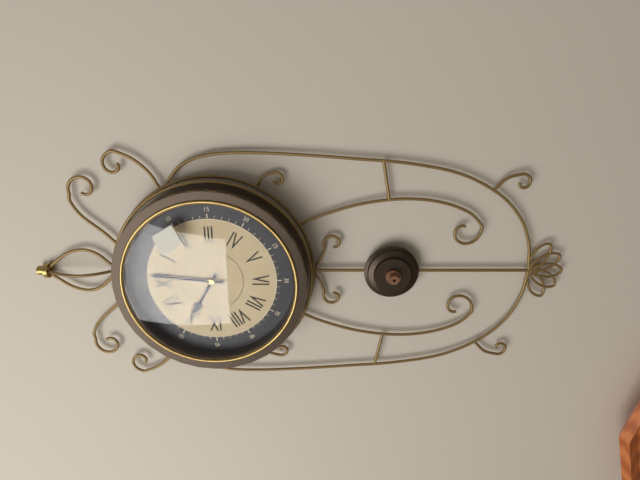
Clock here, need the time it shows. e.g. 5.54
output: 10.01
